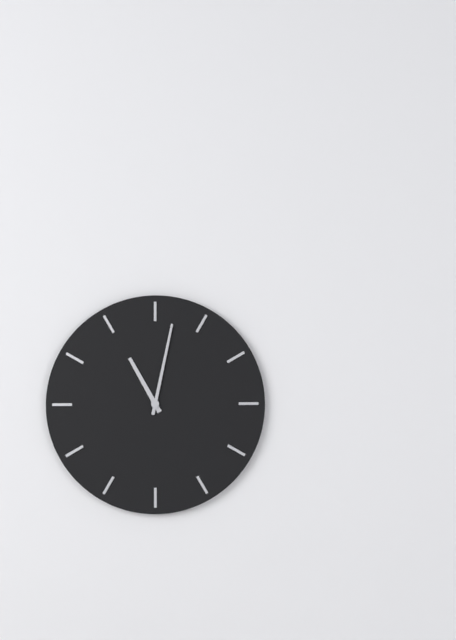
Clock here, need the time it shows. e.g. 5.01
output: 11.02
